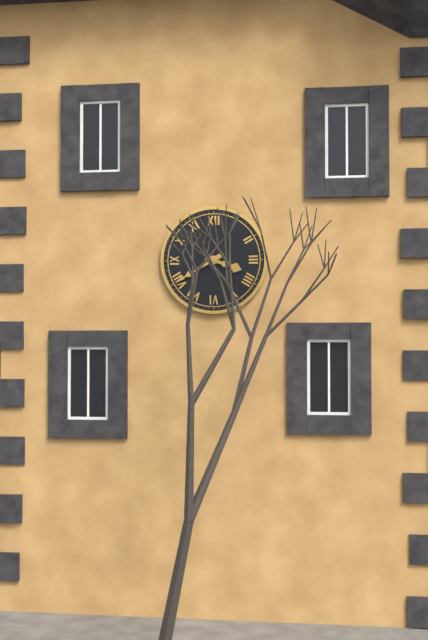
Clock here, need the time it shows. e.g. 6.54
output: 3.40
